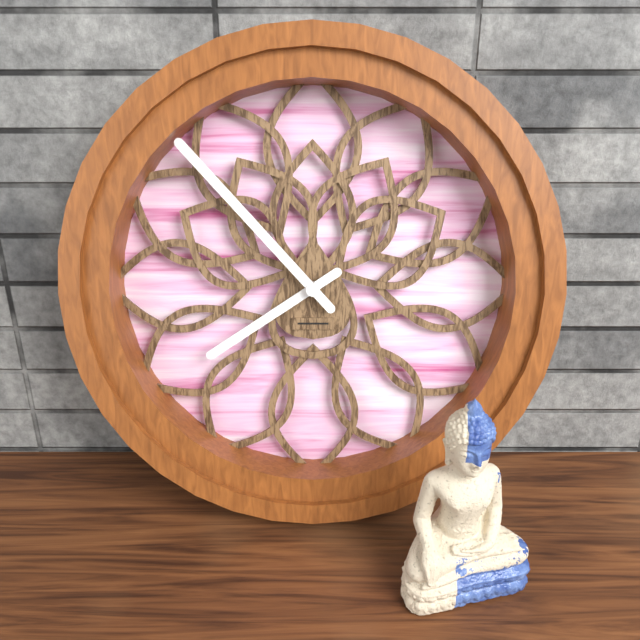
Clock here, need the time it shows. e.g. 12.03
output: 7.53
